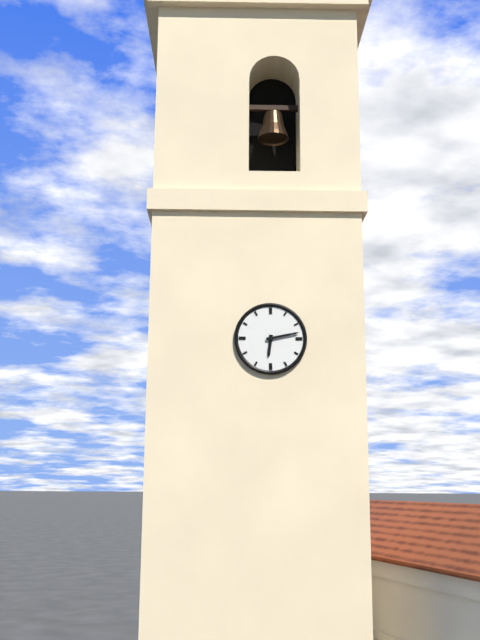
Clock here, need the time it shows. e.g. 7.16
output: 6.13
